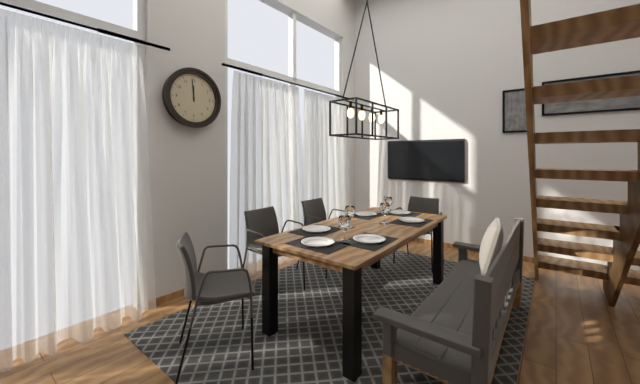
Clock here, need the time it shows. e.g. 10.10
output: 11.59
